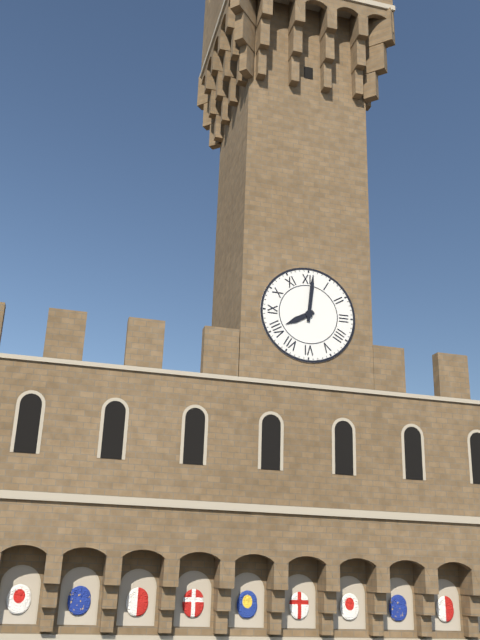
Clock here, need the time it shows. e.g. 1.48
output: 8.01
